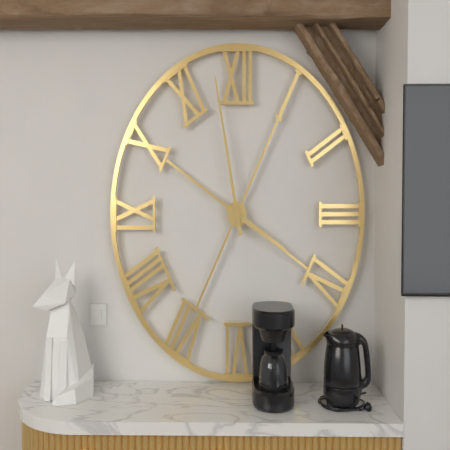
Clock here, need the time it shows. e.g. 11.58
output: 3.58
